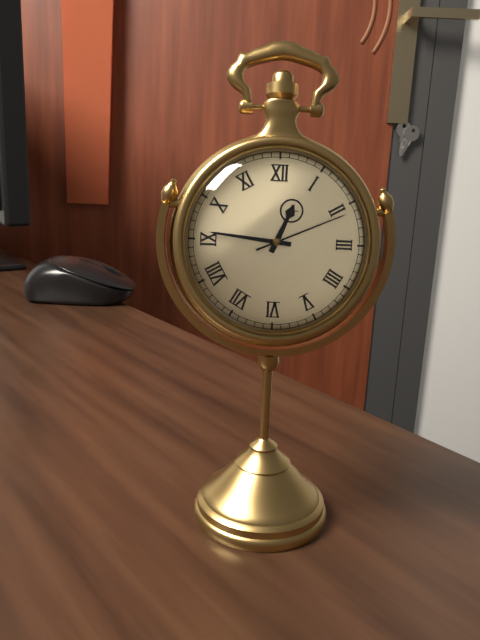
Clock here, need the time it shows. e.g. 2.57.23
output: 12.46.11
